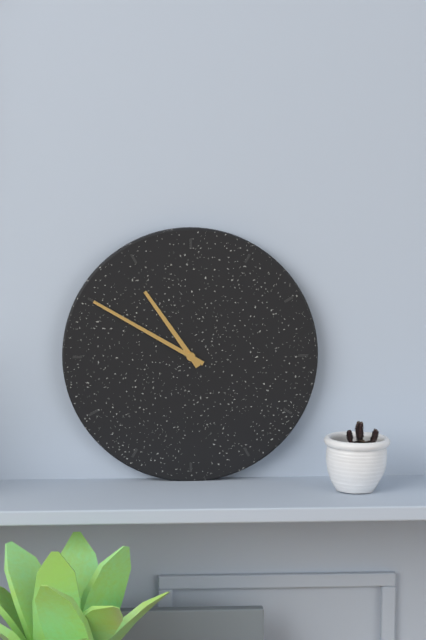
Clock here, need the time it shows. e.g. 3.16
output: 10.50
